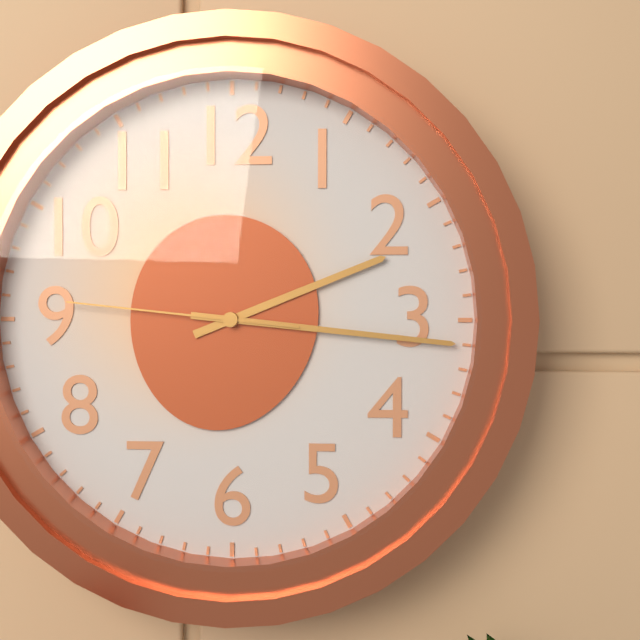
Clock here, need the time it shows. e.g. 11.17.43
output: 2.16.46
